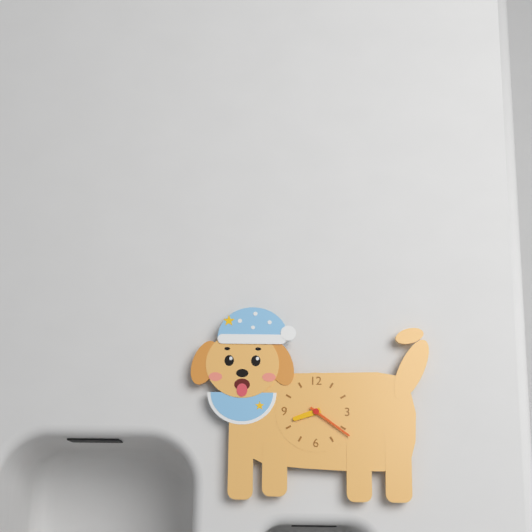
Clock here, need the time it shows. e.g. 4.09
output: 8.21
